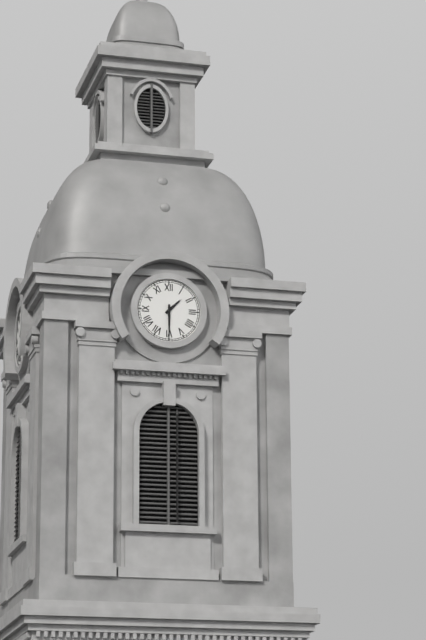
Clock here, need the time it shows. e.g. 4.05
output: 1.30
